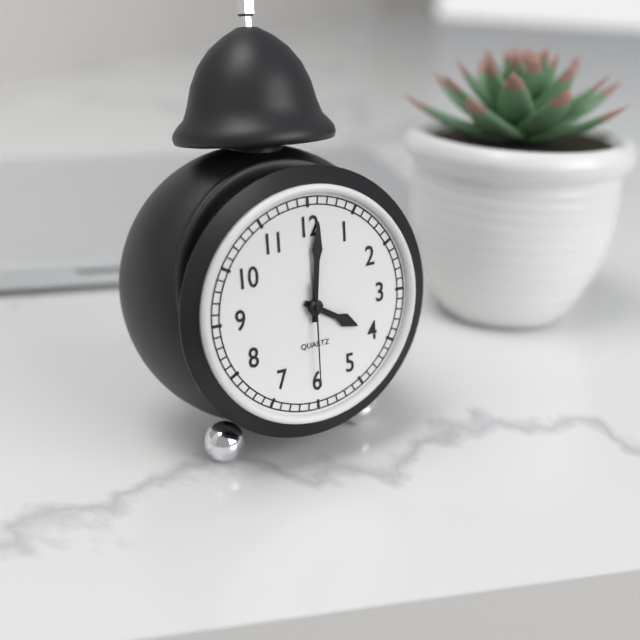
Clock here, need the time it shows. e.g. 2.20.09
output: 4.01.30
